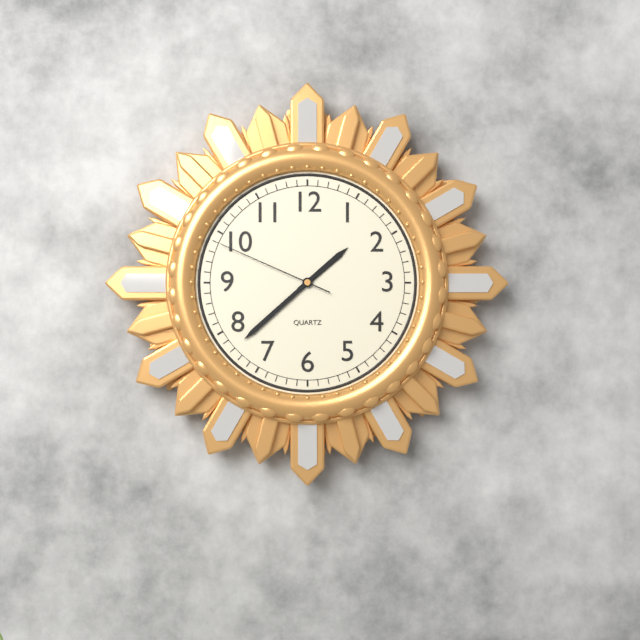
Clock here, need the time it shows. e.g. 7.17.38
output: 1.38.49
